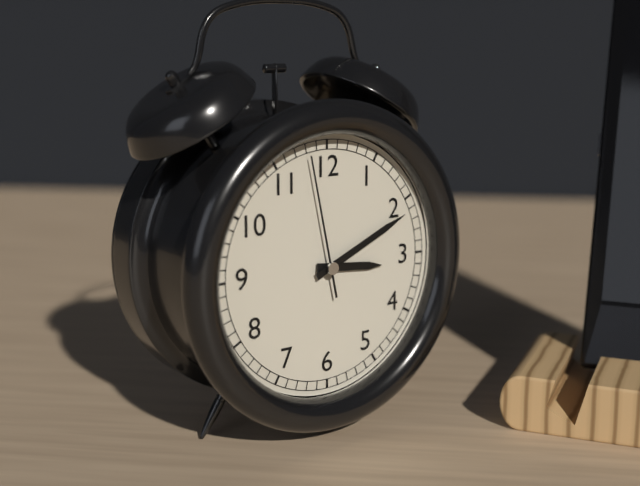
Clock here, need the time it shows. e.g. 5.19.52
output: 3.11.58
